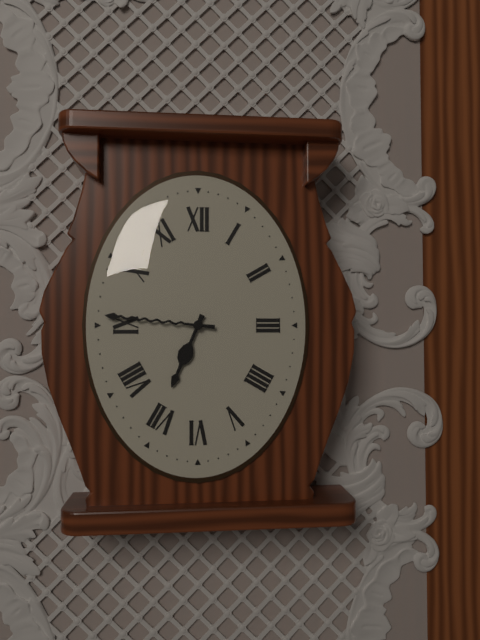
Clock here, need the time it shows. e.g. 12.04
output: 6.46
